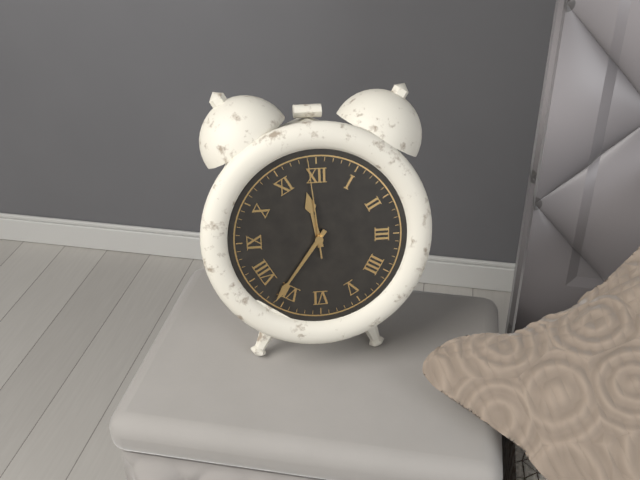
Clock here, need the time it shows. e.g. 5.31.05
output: 11.36.59
